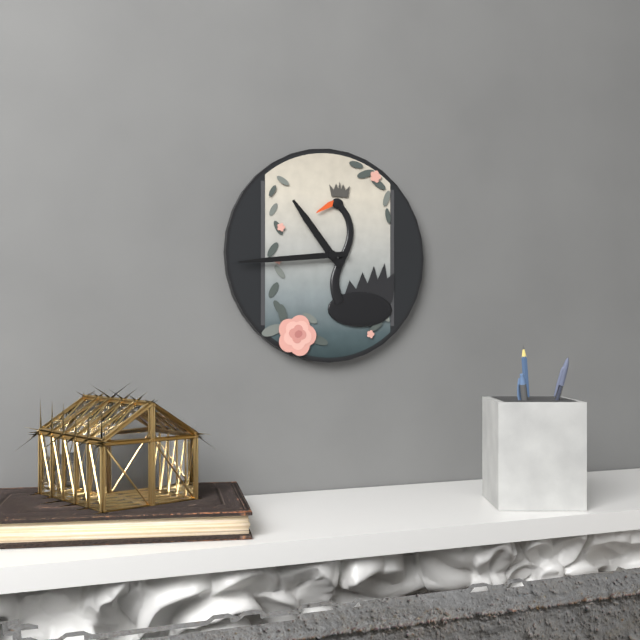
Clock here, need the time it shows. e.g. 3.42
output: 10.44
